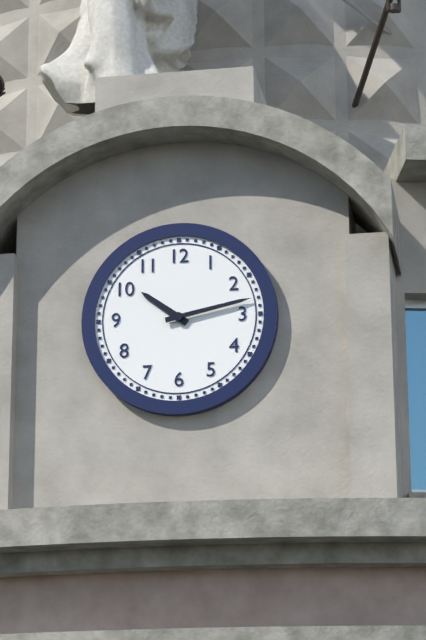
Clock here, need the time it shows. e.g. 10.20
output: 10.13
